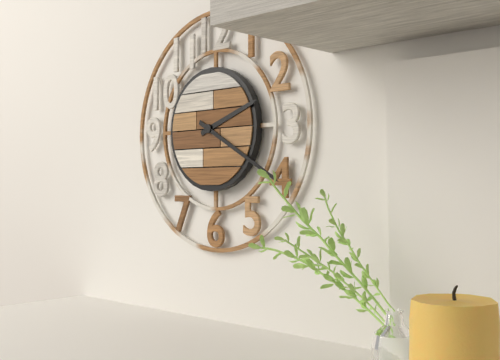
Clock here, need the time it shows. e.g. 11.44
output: 2.20
